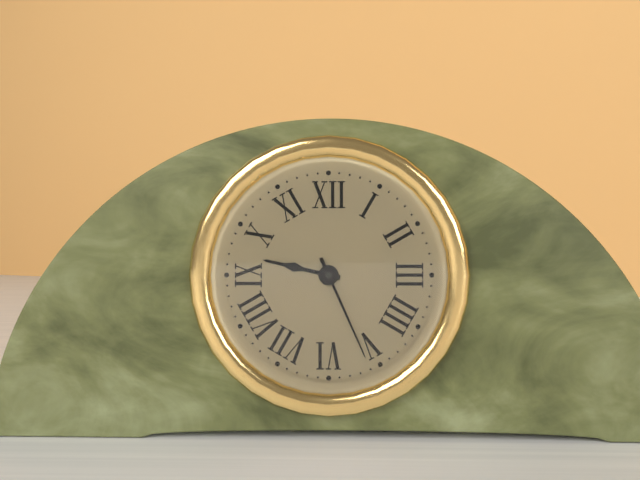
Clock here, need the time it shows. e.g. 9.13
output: 9.26
